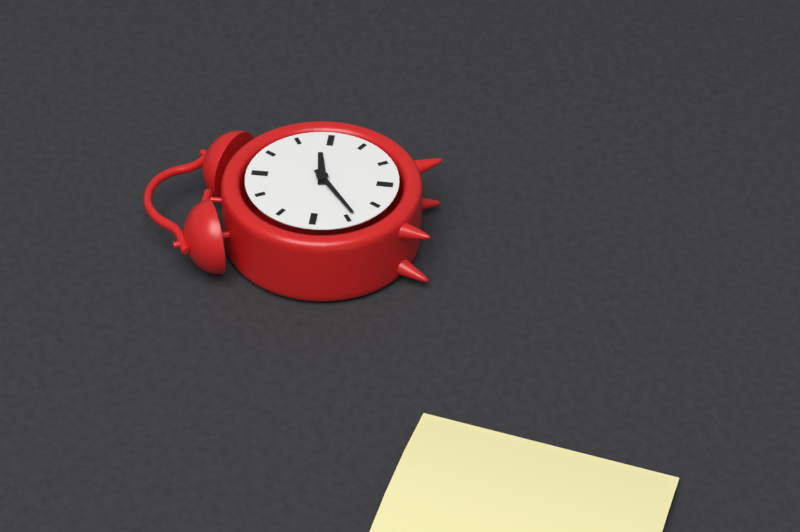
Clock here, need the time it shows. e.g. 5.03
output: 2.39
